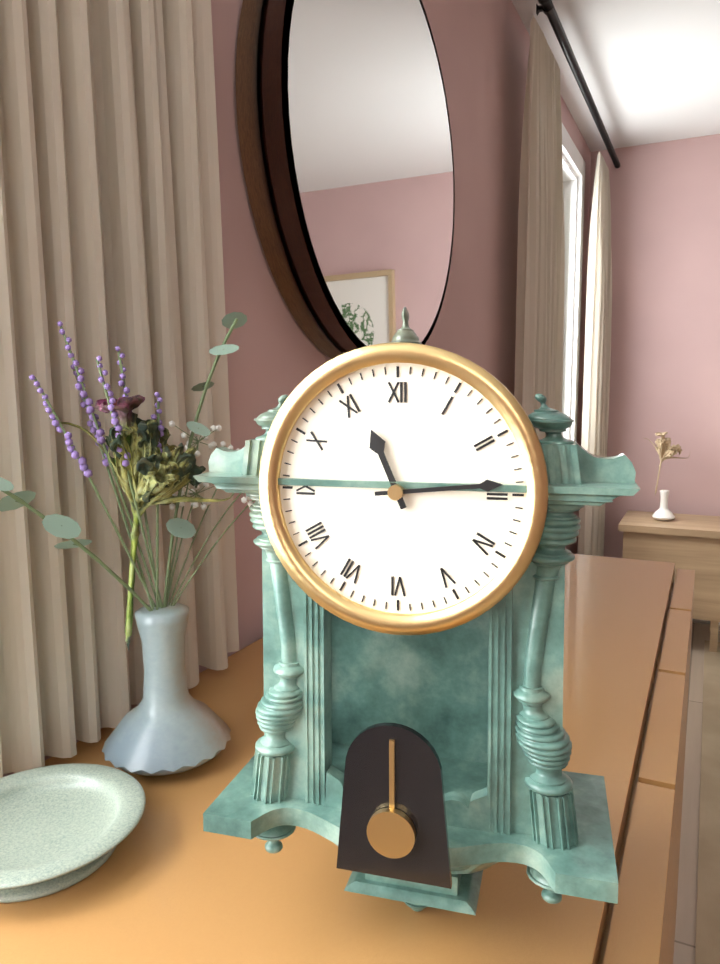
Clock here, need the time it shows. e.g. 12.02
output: 11.14
